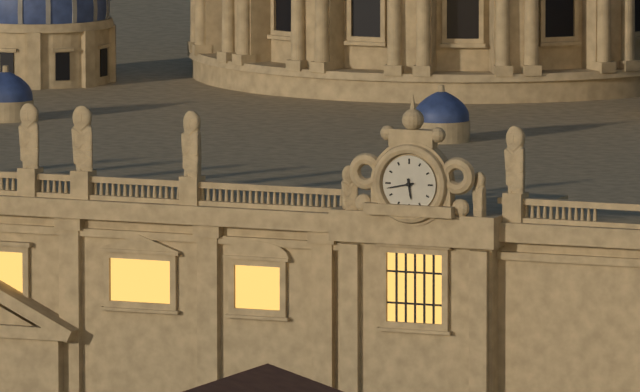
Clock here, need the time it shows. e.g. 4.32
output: 5.43
